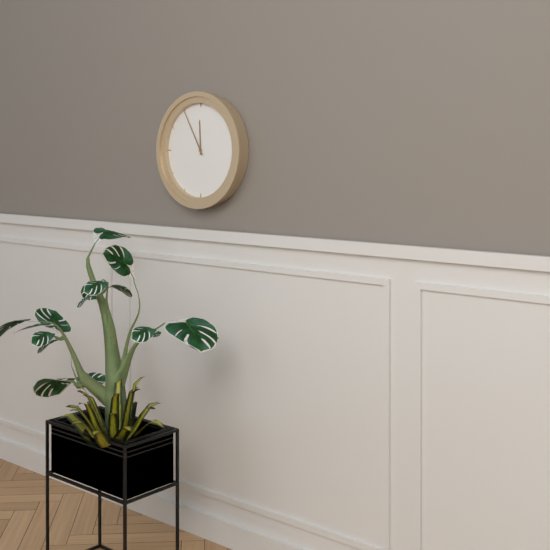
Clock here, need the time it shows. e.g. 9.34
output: 11.55
